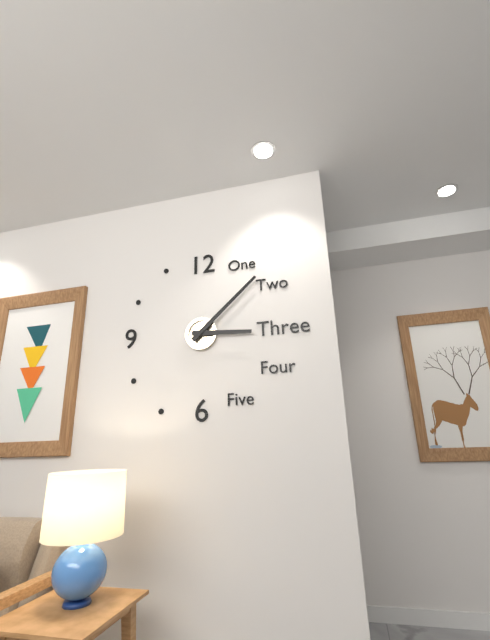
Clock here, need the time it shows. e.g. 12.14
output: 3.08
